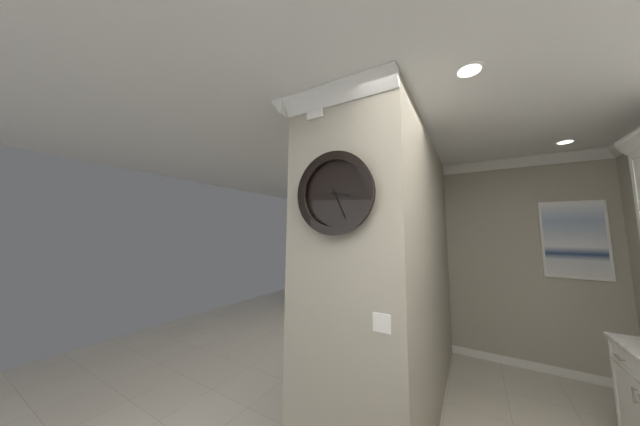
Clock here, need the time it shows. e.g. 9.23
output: 3.26
